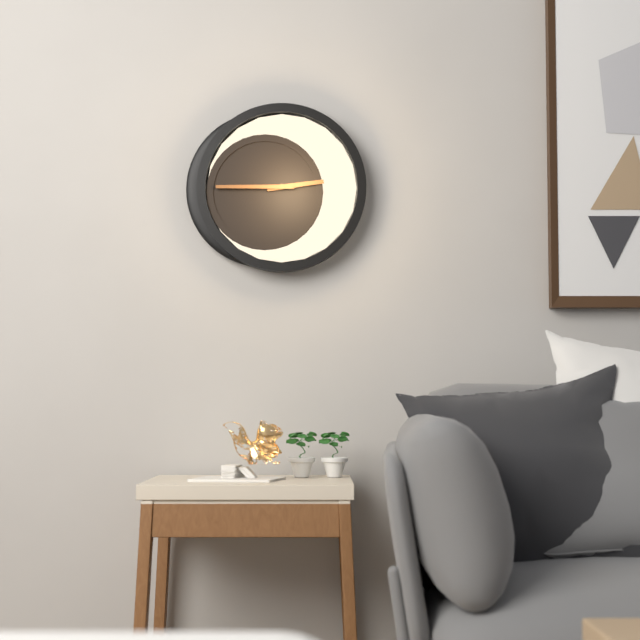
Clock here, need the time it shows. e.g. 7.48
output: 2.45
